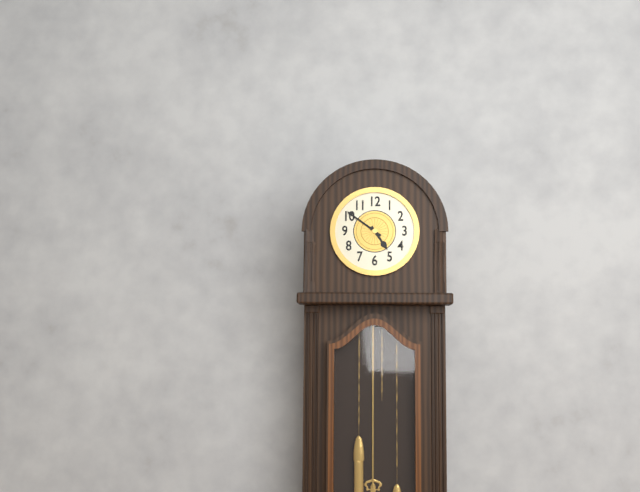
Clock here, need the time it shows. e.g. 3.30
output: 4.51
